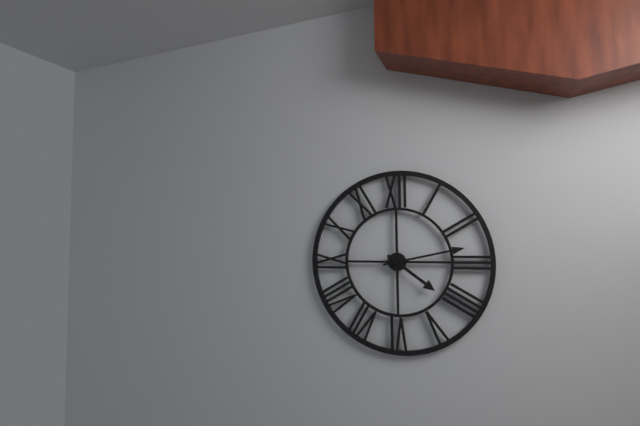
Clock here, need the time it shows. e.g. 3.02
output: 4.13
